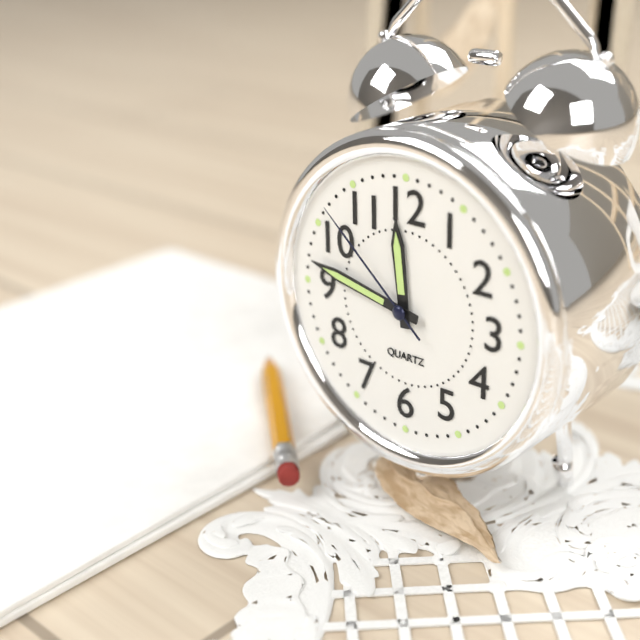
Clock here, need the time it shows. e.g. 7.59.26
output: 11.47.52
